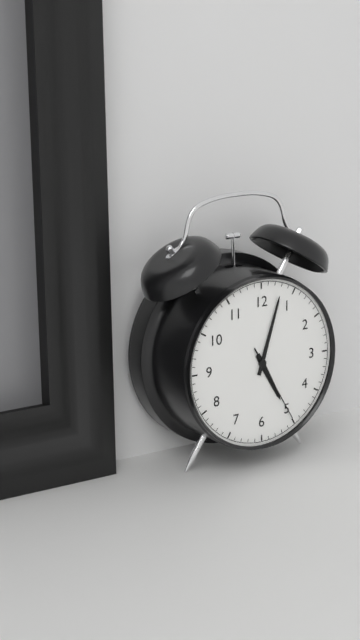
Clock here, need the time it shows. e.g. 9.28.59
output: 5.03.25
